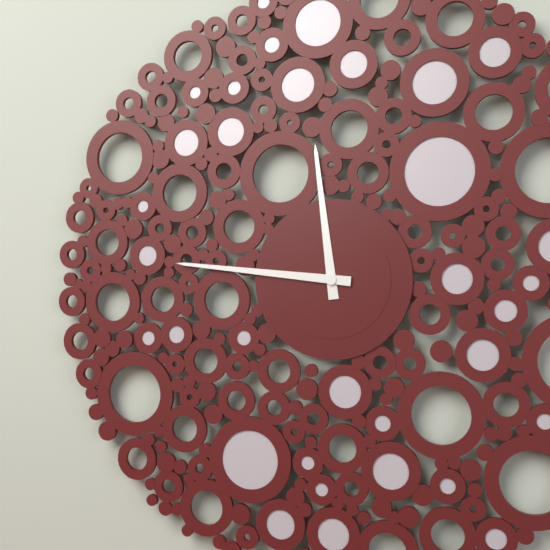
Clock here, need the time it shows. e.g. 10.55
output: 11.46
